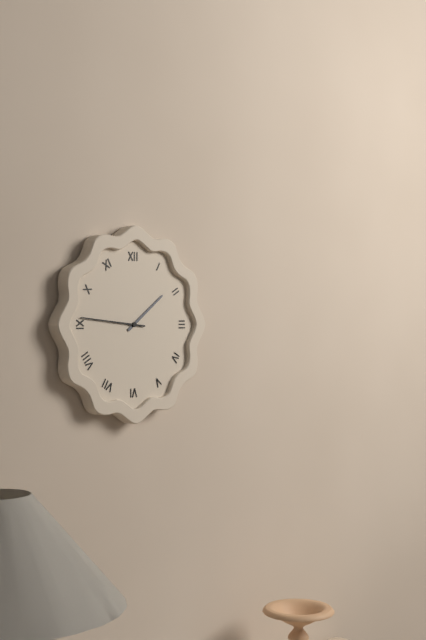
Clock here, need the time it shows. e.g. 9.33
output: 1.46
